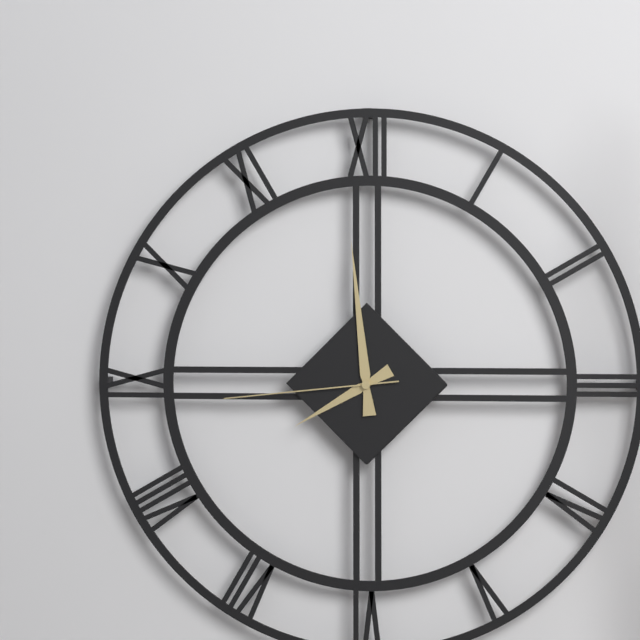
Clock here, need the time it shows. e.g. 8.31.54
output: 7.59.44
